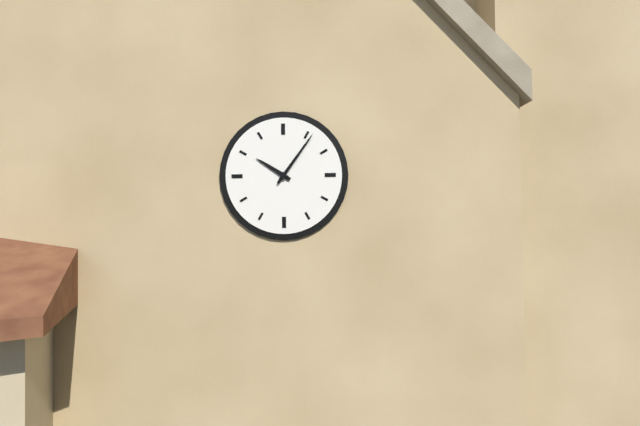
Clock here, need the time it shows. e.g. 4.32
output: 10.06
